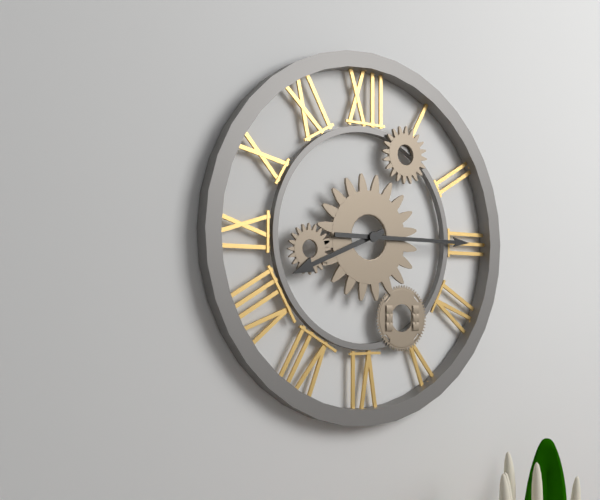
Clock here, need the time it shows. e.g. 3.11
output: 8.15
